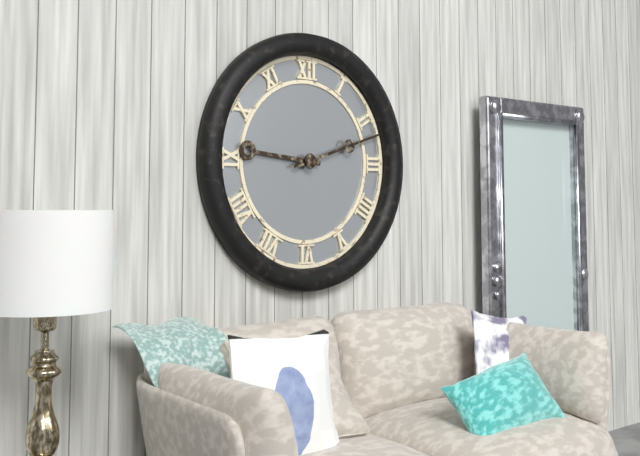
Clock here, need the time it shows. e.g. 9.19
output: 9.12
